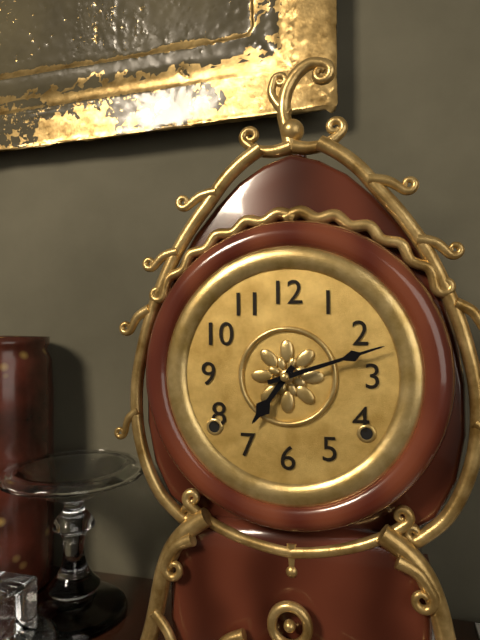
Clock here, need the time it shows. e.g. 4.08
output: 7.12
